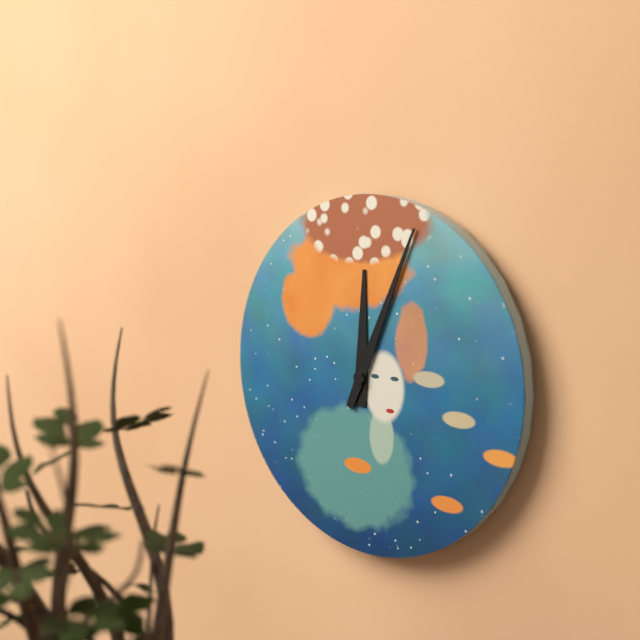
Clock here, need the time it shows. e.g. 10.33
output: 12.04
